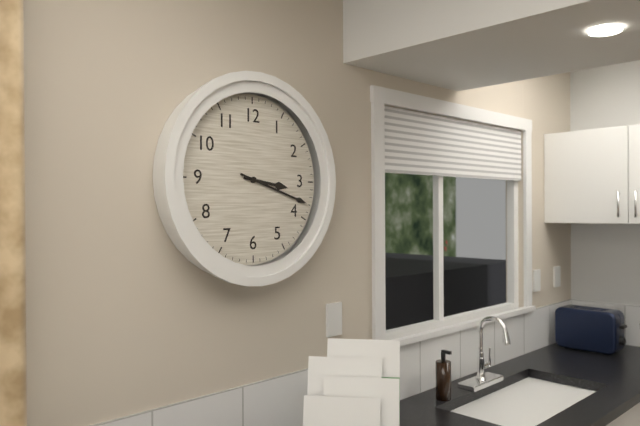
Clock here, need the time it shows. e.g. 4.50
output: 3.18
